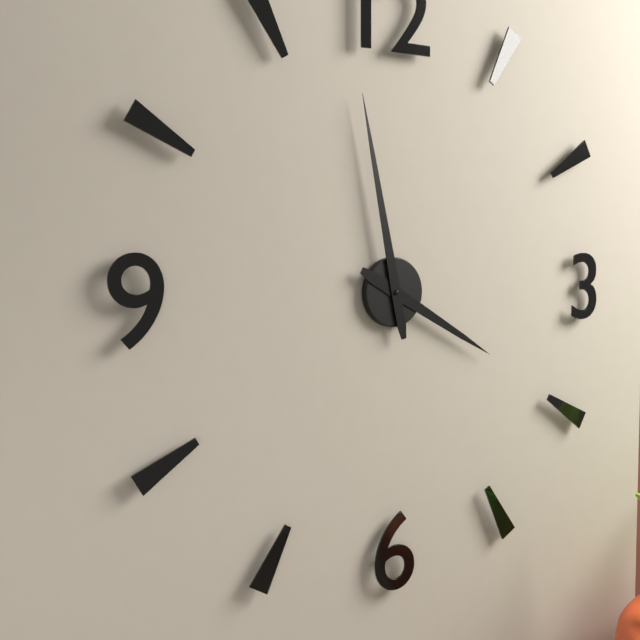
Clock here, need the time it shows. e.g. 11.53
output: 3.58
